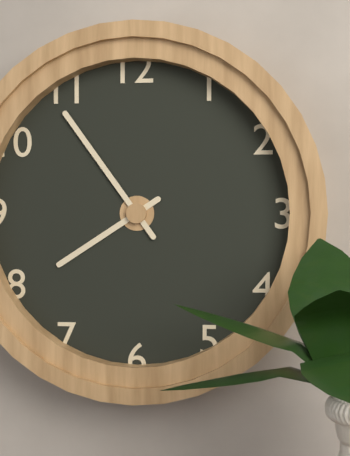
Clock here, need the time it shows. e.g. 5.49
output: 7.54
